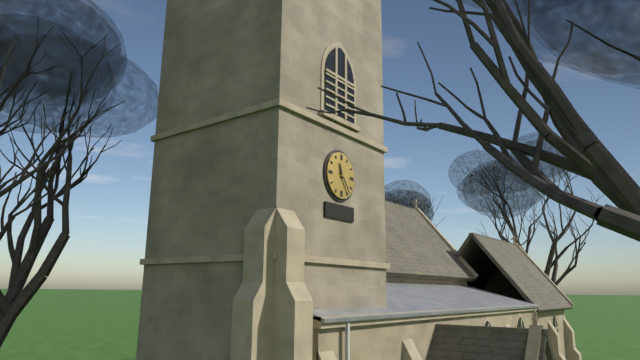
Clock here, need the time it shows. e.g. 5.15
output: 11.24
